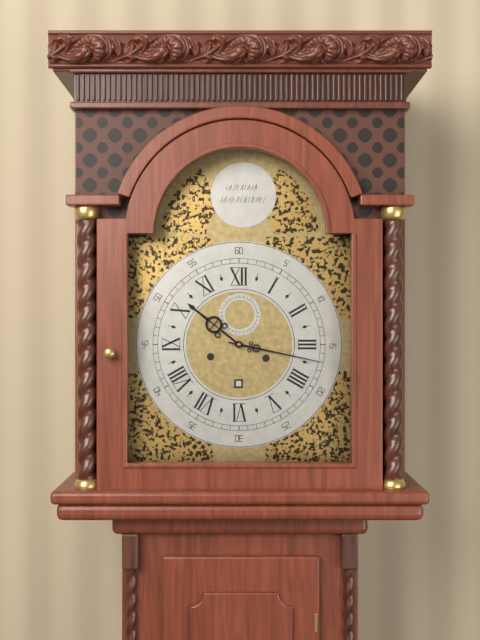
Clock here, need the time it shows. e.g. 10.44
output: 10.17
